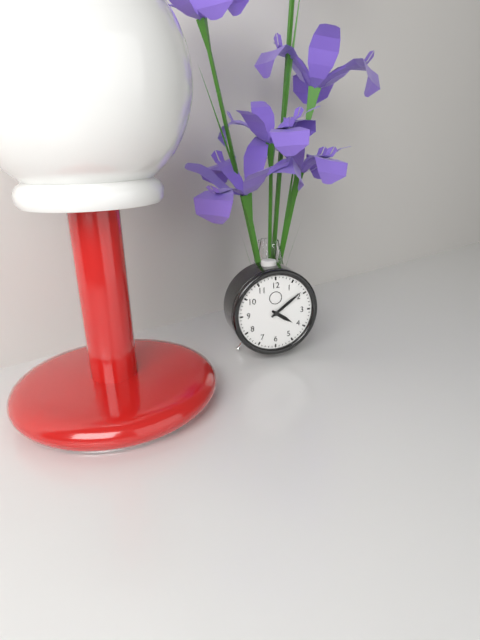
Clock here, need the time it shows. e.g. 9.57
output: 4.09
